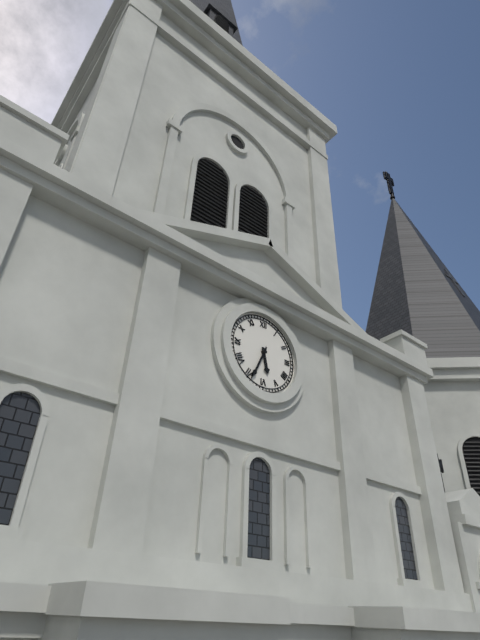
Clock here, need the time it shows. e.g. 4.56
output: 5.34
